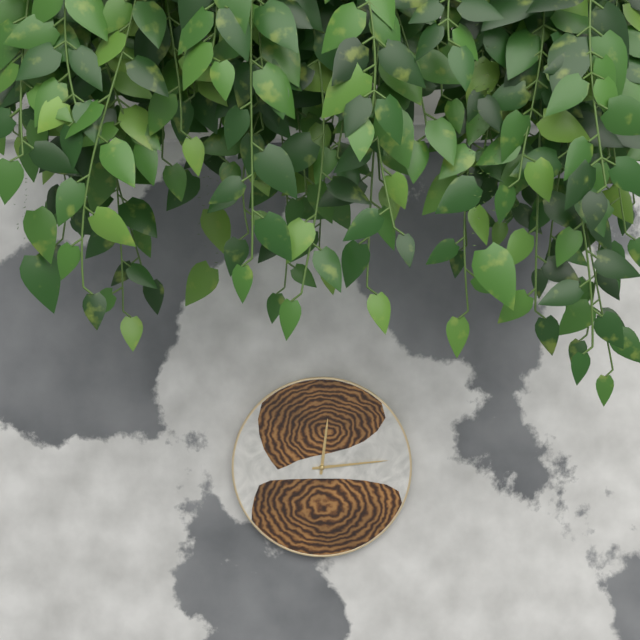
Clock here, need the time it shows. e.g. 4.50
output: 12.14
